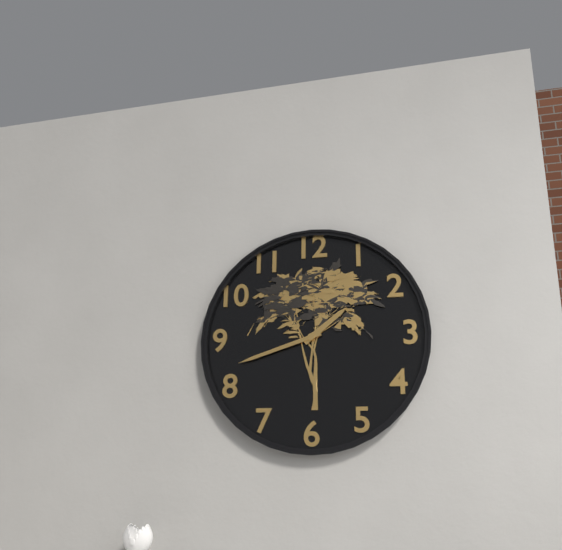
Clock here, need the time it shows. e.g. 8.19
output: 1.42
